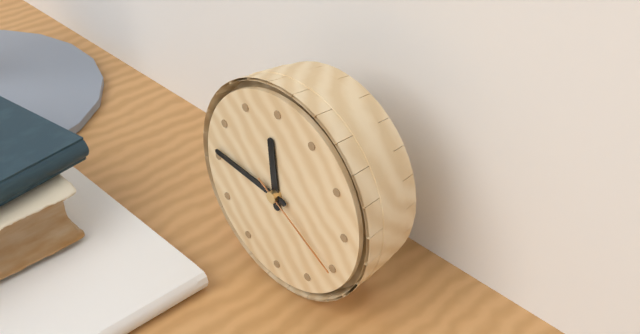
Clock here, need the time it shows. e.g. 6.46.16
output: 11.46.20
